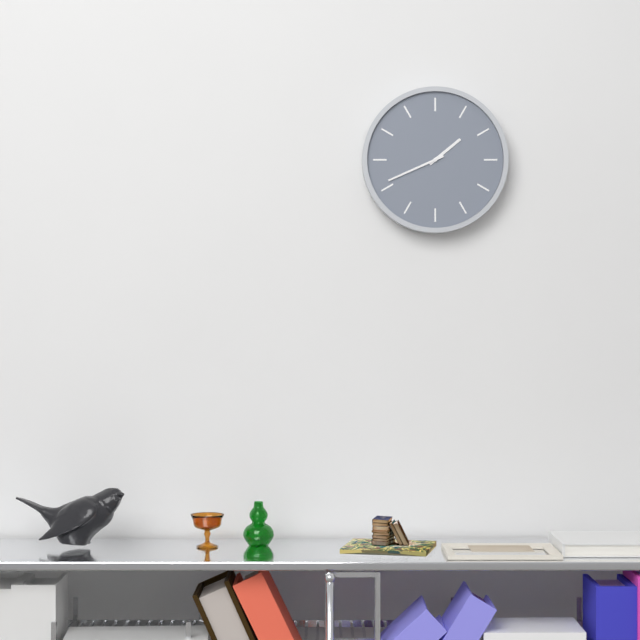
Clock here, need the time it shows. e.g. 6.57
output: 1.41
